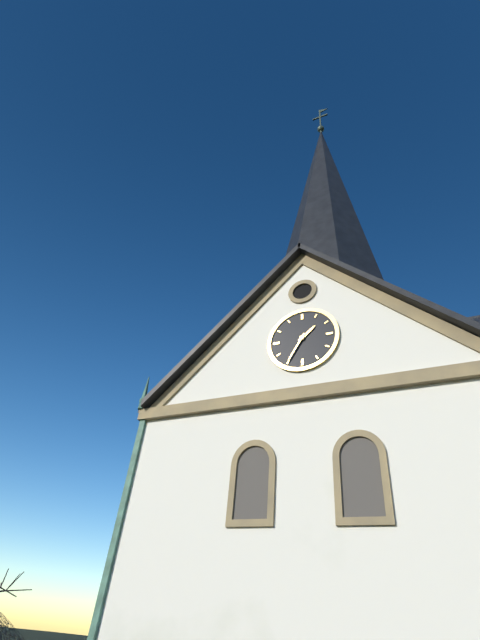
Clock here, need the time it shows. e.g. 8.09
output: 1.35
